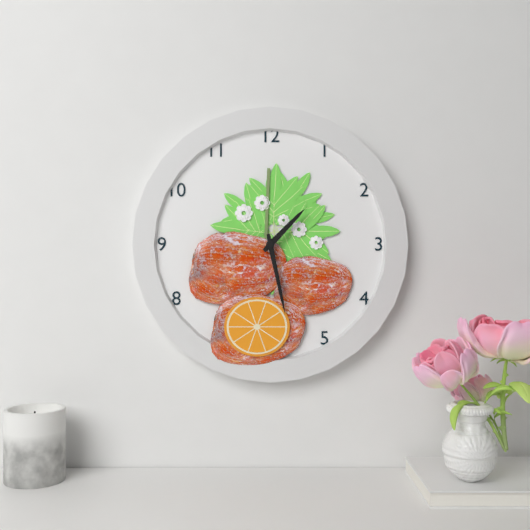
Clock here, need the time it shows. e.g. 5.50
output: 1.28
